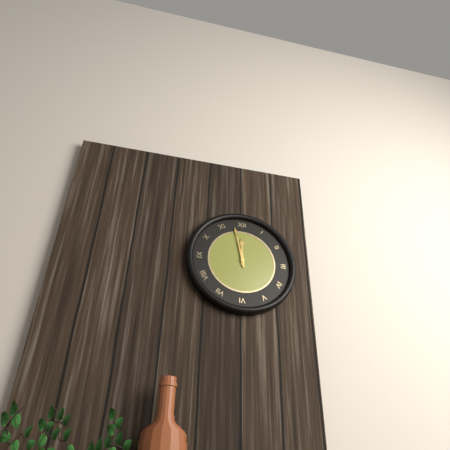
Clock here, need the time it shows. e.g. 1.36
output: 11.58
